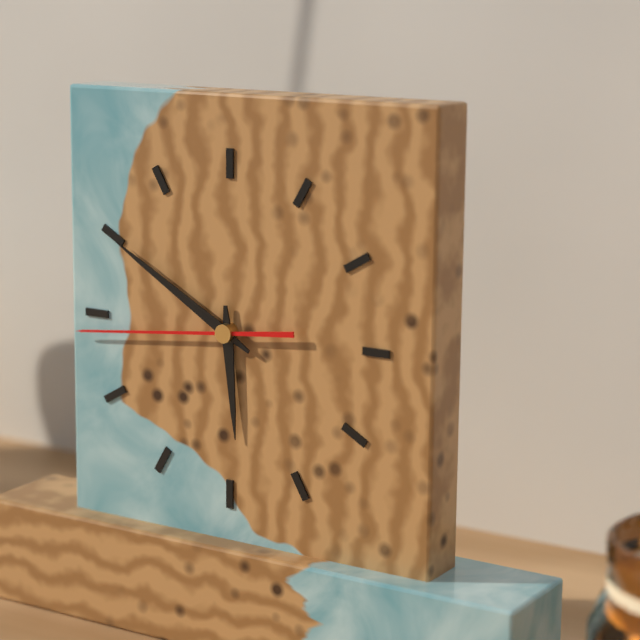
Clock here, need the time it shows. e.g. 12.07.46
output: 5.50.44
